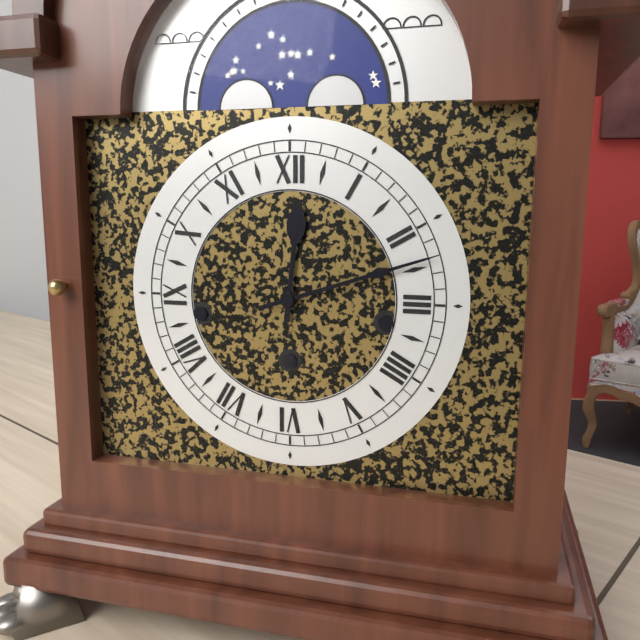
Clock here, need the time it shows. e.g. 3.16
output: 12.12
